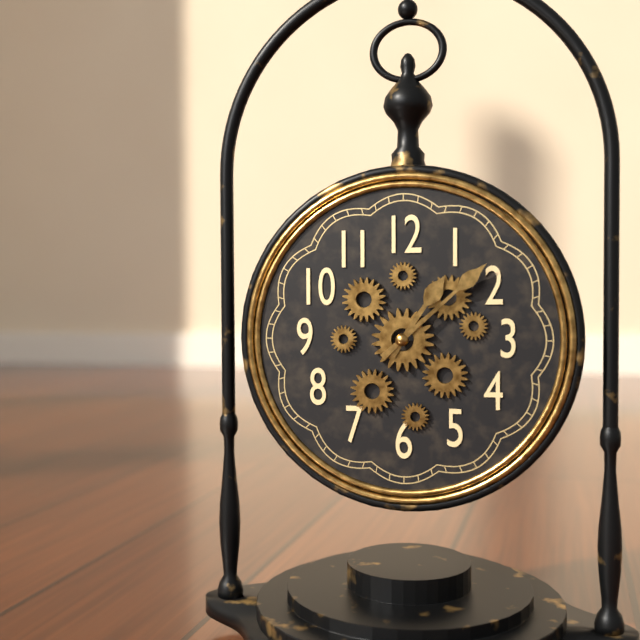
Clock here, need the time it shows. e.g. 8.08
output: 1.08
